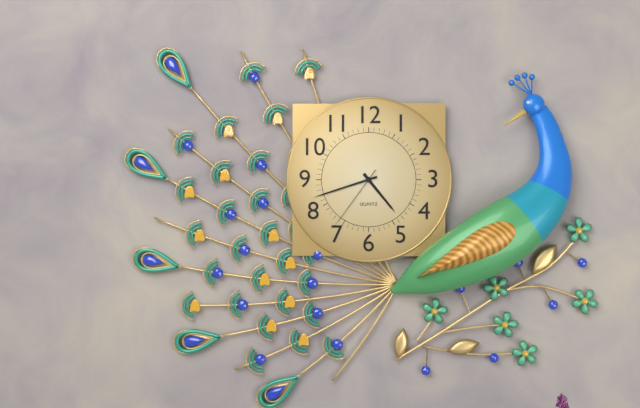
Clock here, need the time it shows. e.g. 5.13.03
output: 4.42.36
